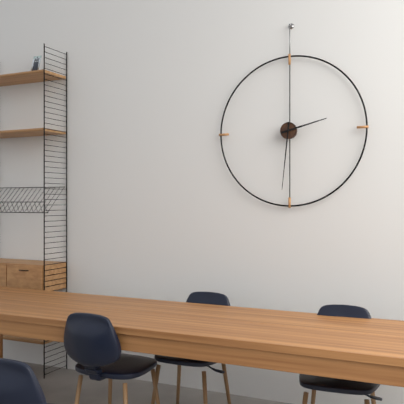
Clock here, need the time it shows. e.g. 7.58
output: 2.31
